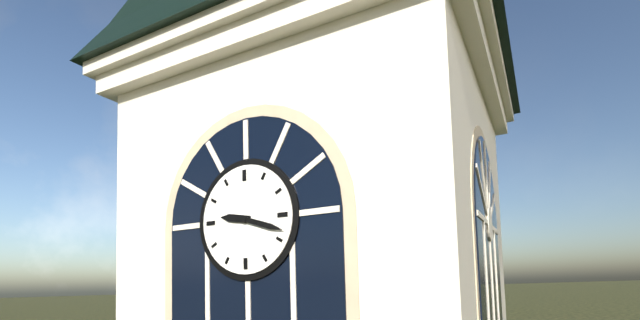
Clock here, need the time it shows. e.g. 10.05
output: 9.18
